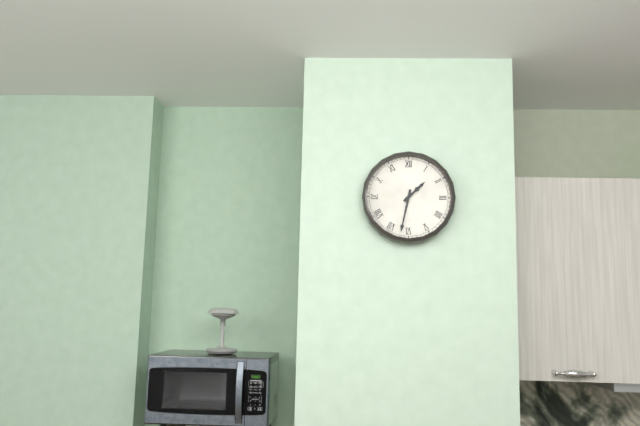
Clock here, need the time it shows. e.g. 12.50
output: 1.32
